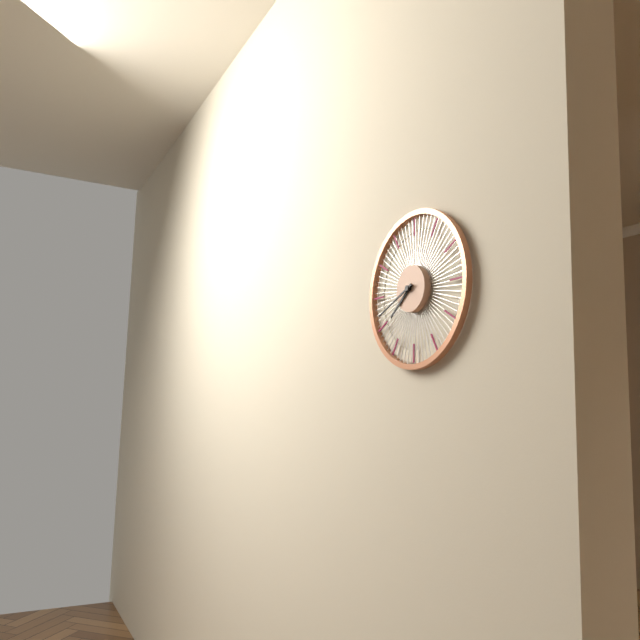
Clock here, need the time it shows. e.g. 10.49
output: 7.41
